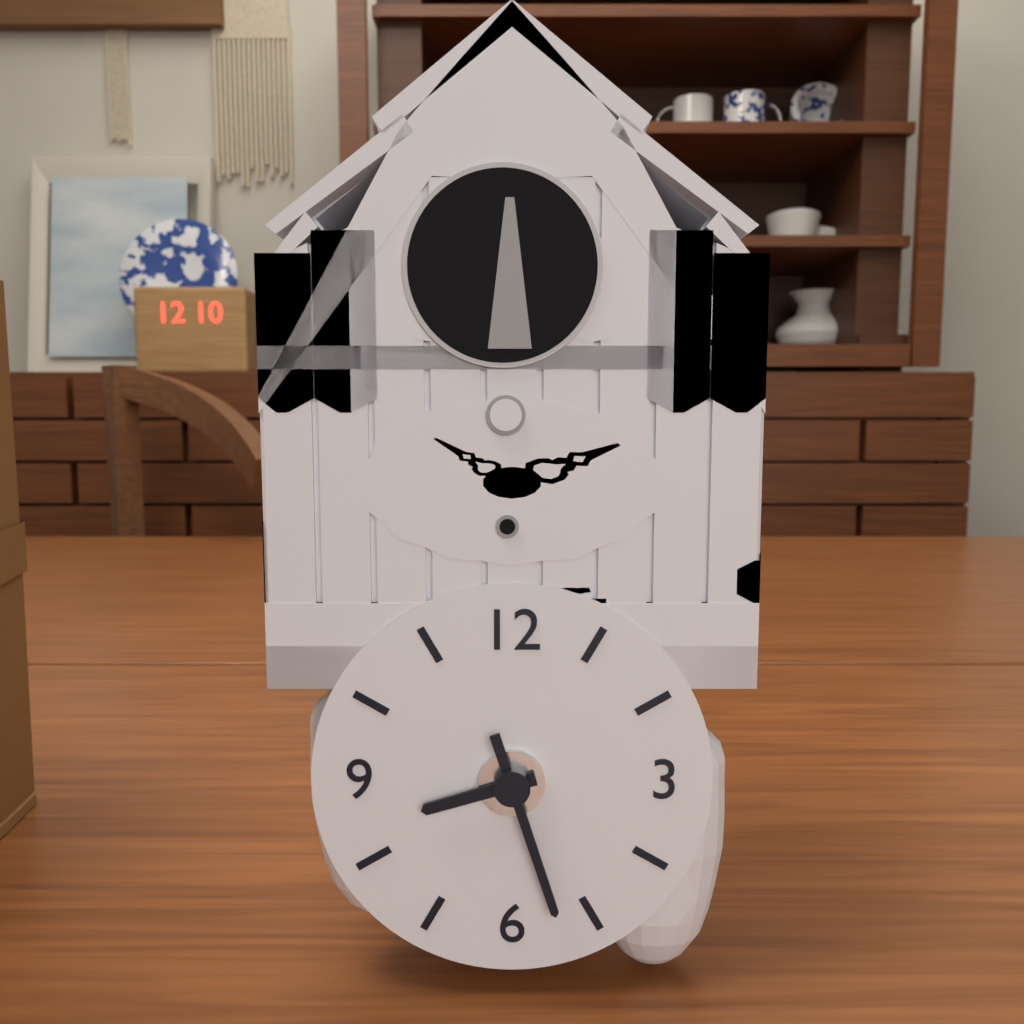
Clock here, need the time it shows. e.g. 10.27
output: 8.27
